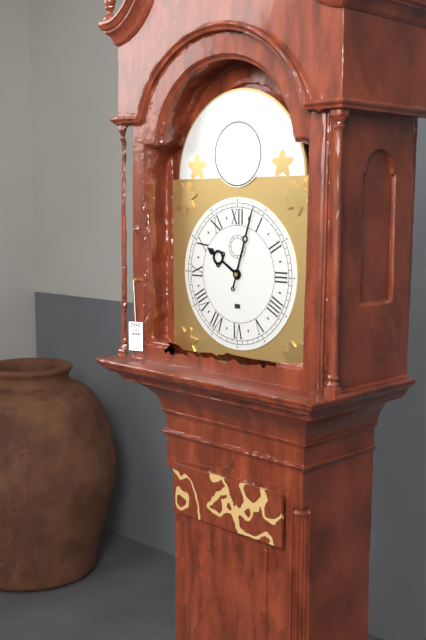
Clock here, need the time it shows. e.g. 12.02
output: 10.03
